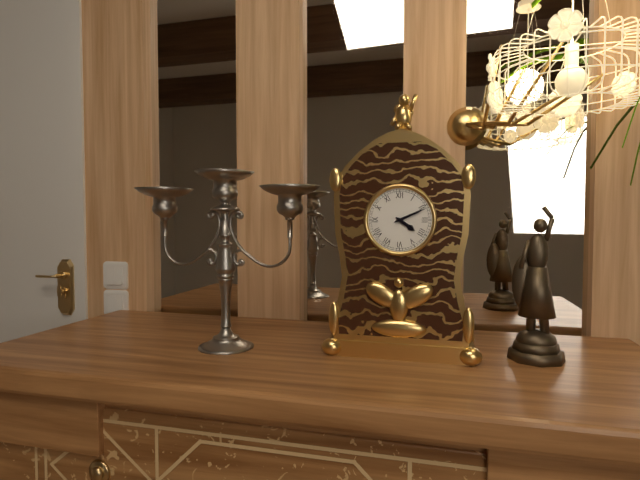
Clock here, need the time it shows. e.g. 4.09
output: 4.11
